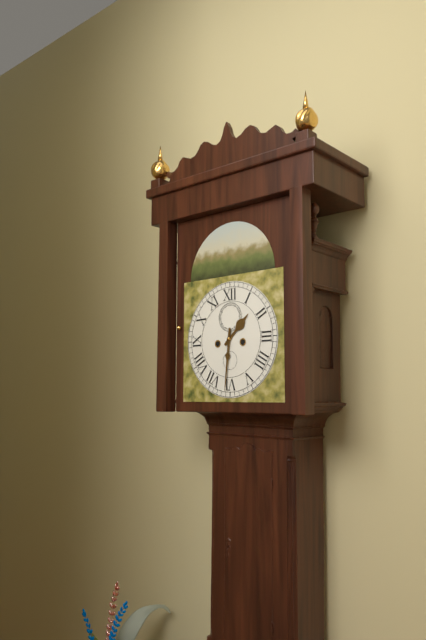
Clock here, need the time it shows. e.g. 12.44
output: 1.31
